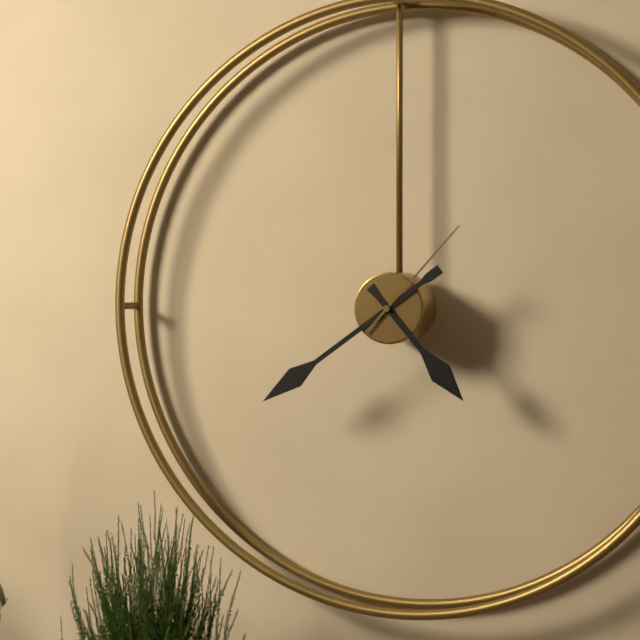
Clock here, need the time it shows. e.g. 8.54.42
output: 4.39.07
